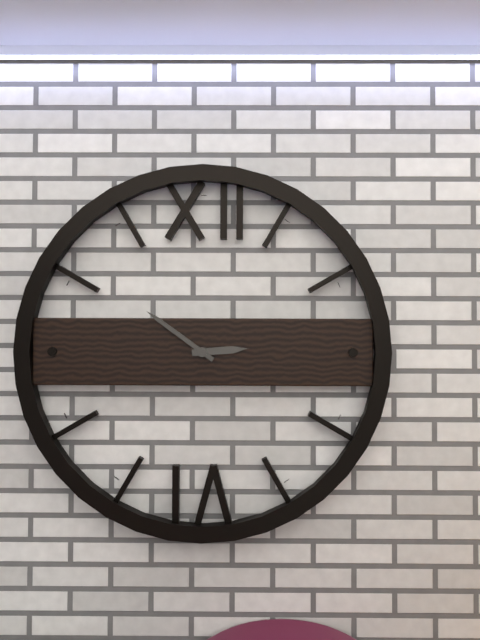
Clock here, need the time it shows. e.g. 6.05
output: 2.51
